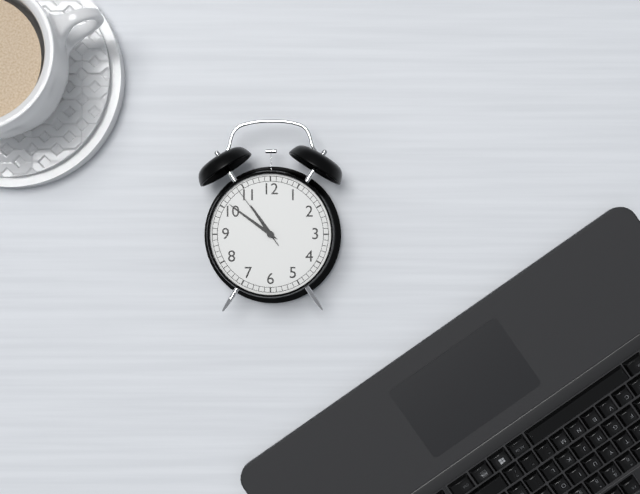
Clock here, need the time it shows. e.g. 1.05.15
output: 10.51.54
